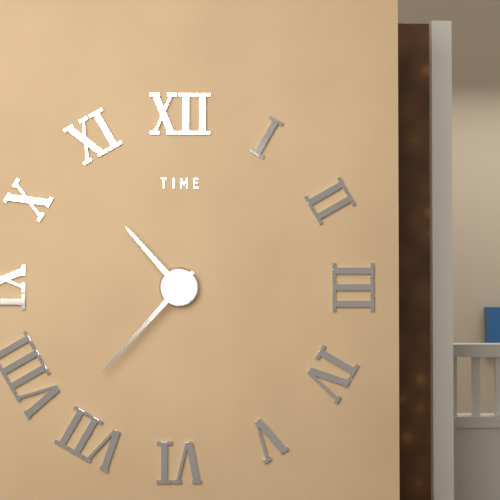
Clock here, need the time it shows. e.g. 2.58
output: 10.37
